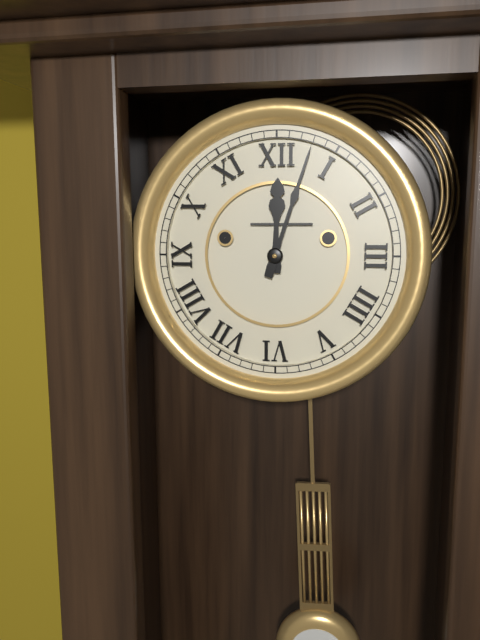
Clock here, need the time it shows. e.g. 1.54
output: 12.03
